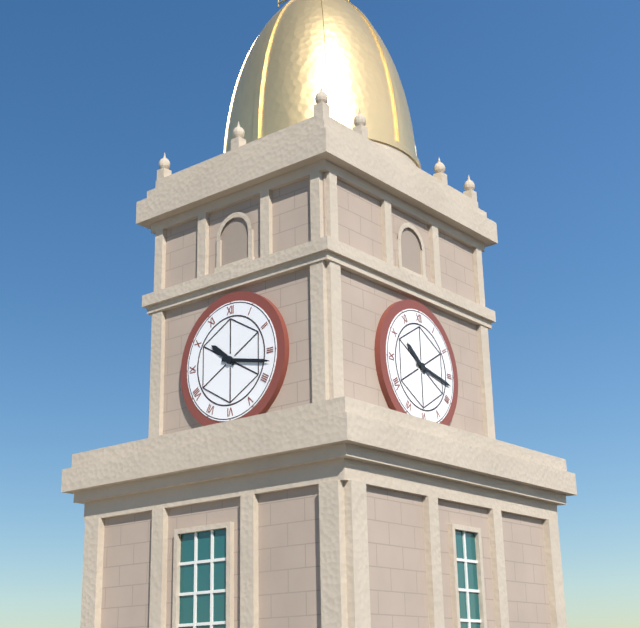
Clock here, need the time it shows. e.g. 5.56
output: 10.17
